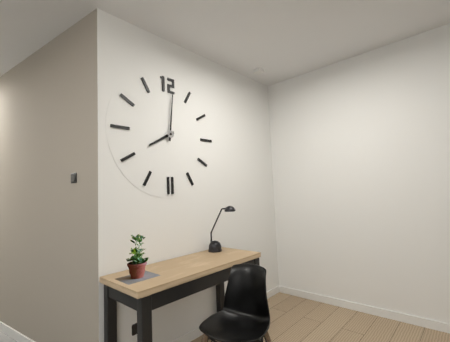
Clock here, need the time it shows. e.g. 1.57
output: 8.01
